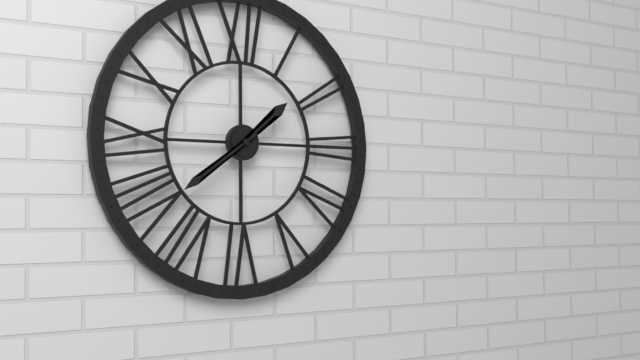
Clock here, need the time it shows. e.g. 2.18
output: 1.39
